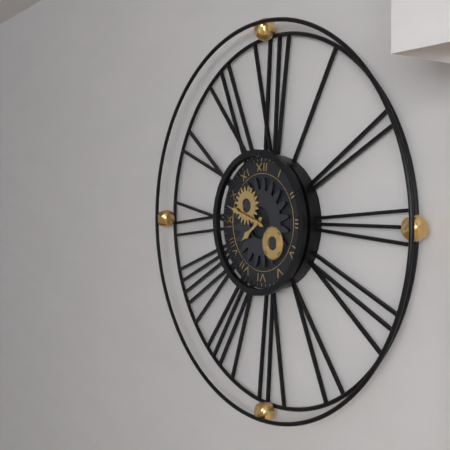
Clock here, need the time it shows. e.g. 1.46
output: 7.48
